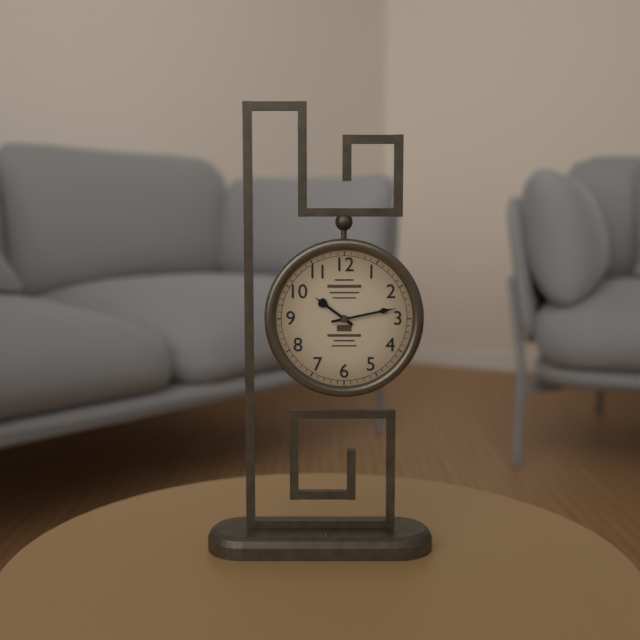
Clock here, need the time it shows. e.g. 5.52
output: 10.13
